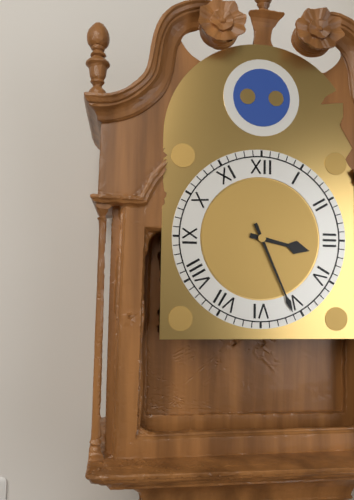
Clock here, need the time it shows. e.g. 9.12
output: 3.26
